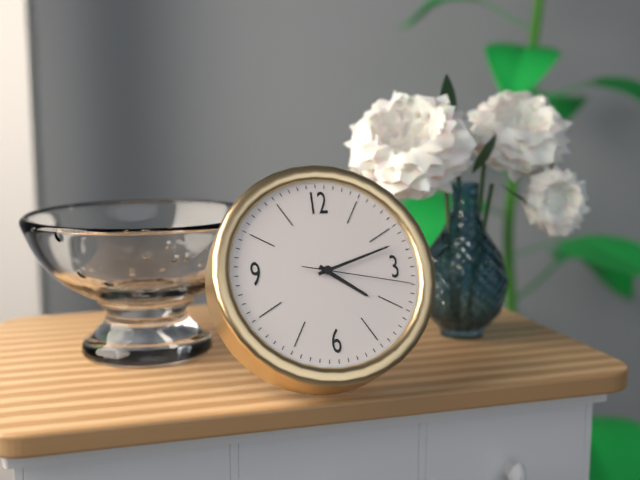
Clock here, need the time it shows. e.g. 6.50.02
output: 4.12.17
